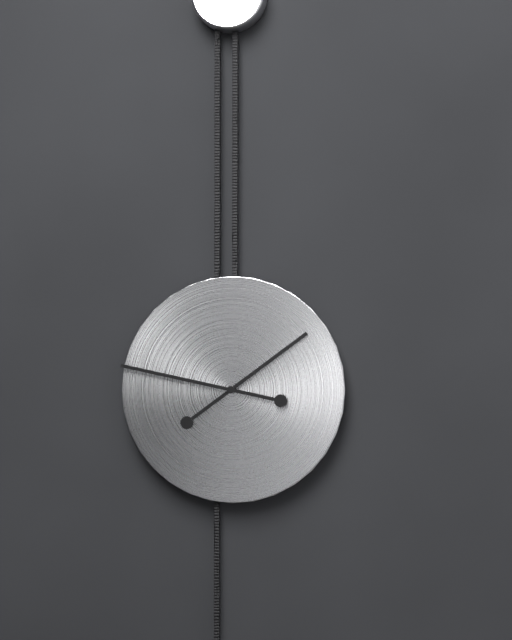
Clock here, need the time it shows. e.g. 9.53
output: 1.47
